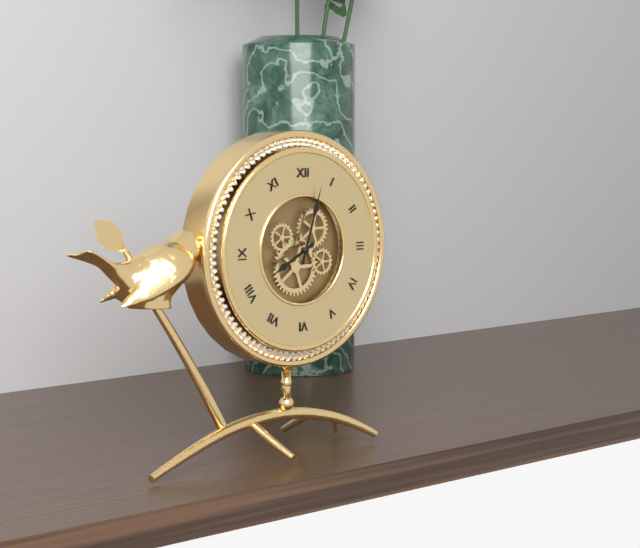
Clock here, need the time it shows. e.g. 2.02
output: 8.03
